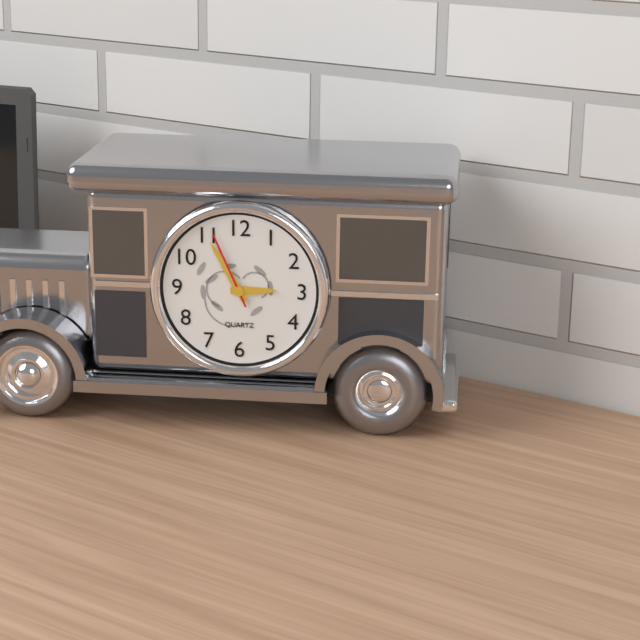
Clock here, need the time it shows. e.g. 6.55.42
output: 2.55.56
